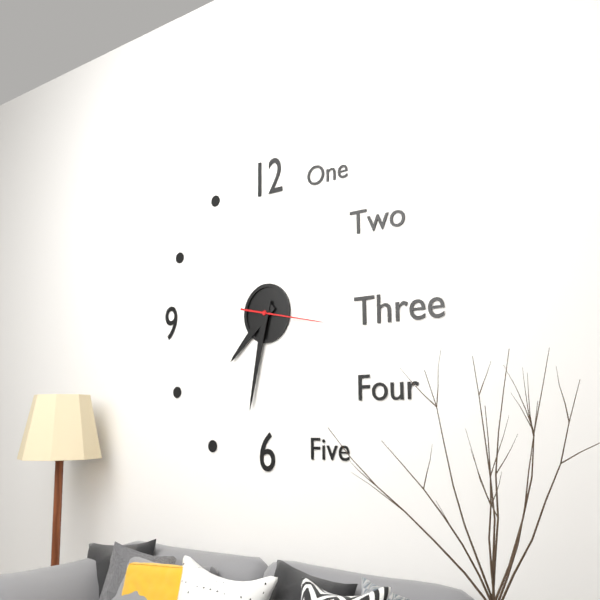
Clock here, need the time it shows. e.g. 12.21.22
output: 7.32.17
